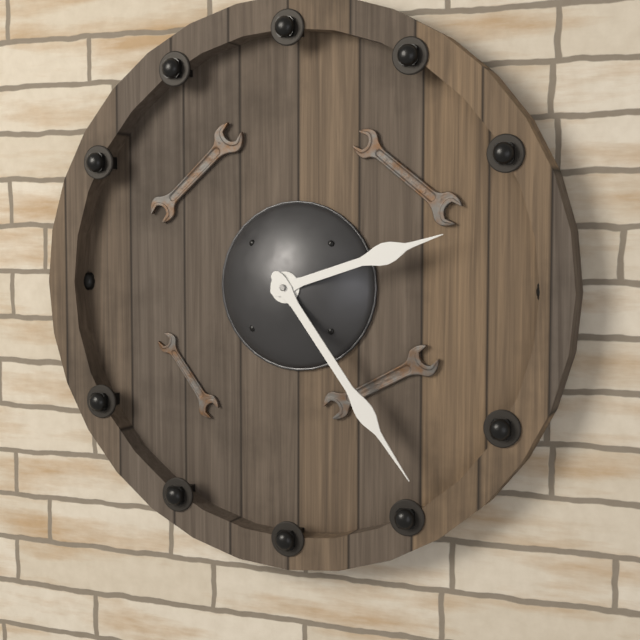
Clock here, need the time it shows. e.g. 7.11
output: 2.24
